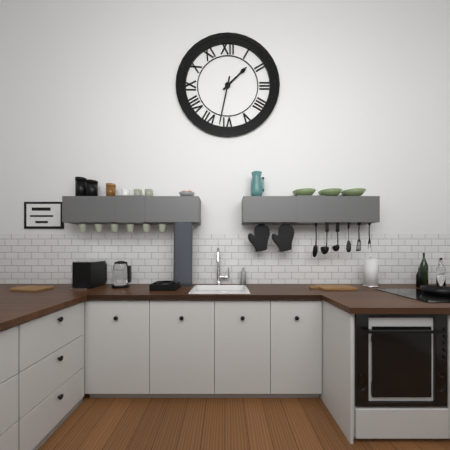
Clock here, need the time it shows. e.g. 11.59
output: 1.32
